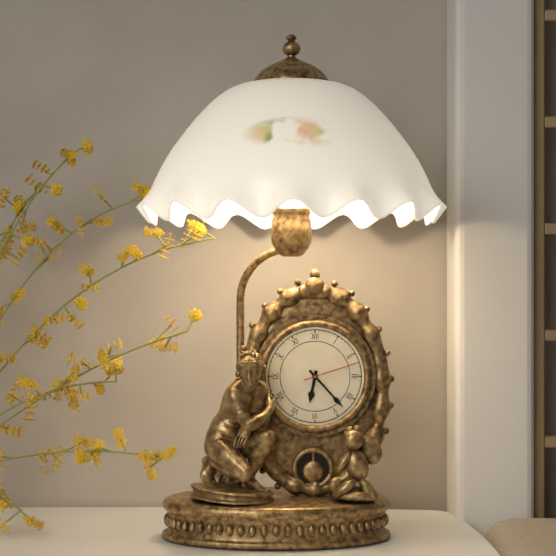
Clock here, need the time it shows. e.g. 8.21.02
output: 6.23.12
